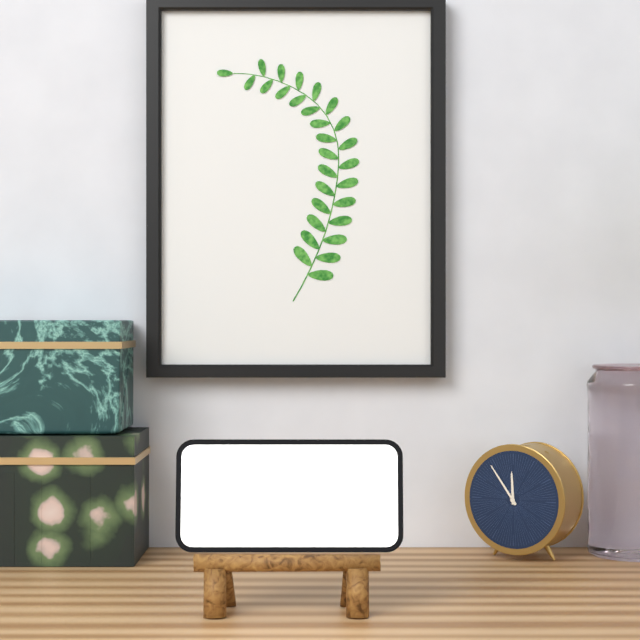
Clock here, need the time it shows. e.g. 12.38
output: 11.54
